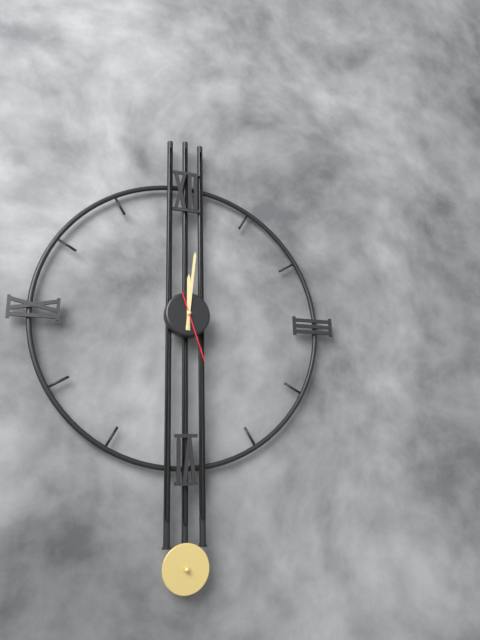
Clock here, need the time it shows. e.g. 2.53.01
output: 12.01.27
